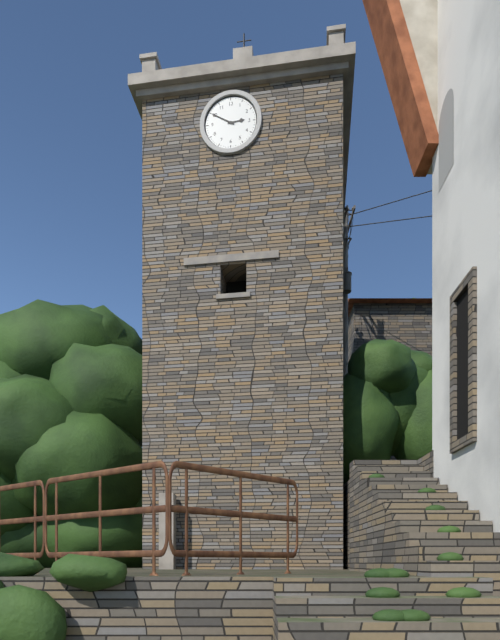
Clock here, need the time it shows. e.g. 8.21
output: 2.50
